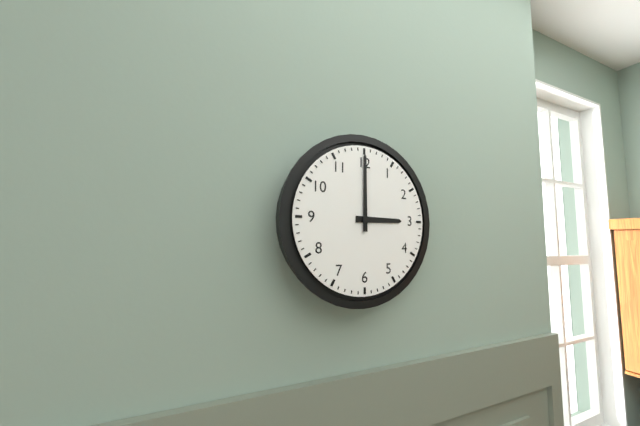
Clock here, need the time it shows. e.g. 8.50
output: 3.00
